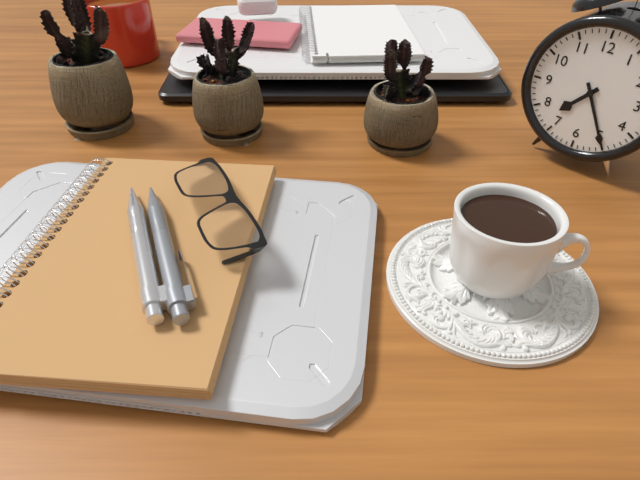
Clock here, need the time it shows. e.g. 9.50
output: 7.25
